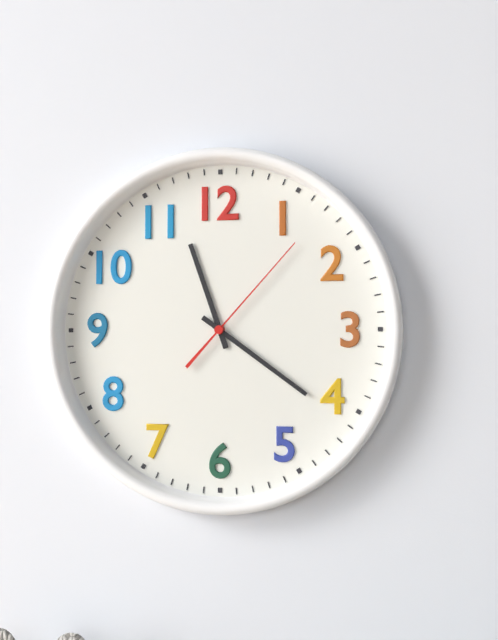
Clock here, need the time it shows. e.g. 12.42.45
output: 11.21.07
